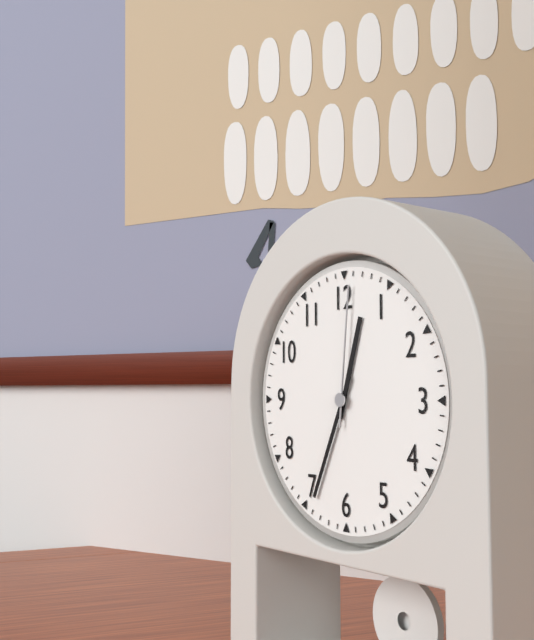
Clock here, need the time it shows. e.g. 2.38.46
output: 12.34.01
